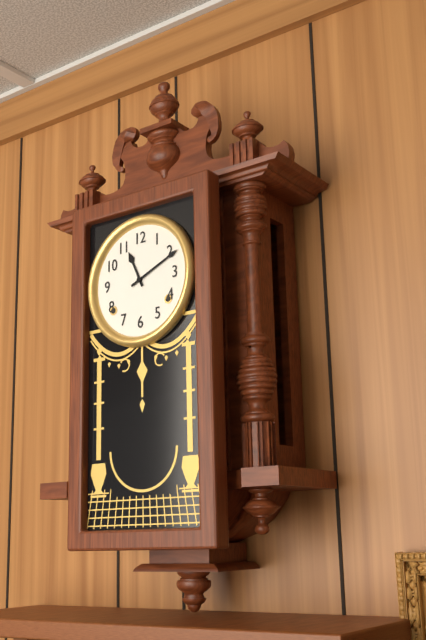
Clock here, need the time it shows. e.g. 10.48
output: 11.11
